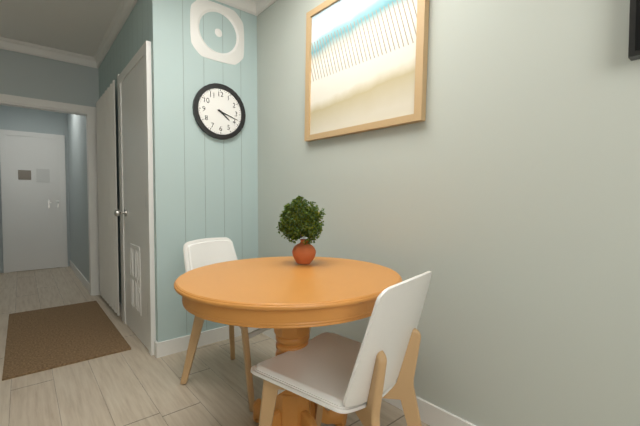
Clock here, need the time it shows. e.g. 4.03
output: 4.18
